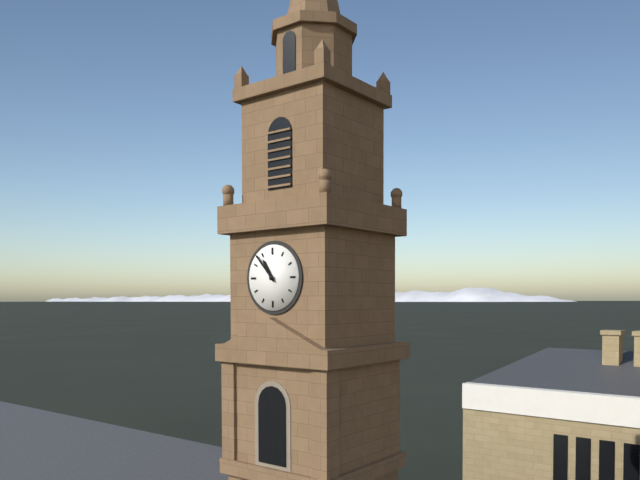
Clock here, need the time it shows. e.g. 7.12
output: 10.53
